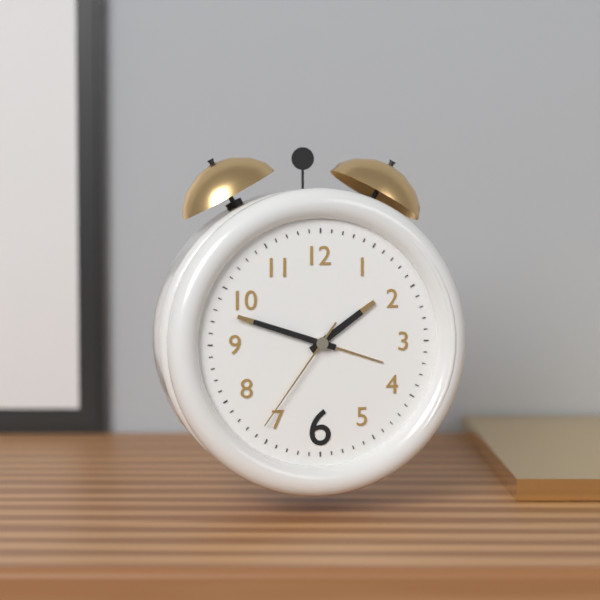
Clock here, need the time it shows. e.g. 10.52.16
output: 1.48.36
